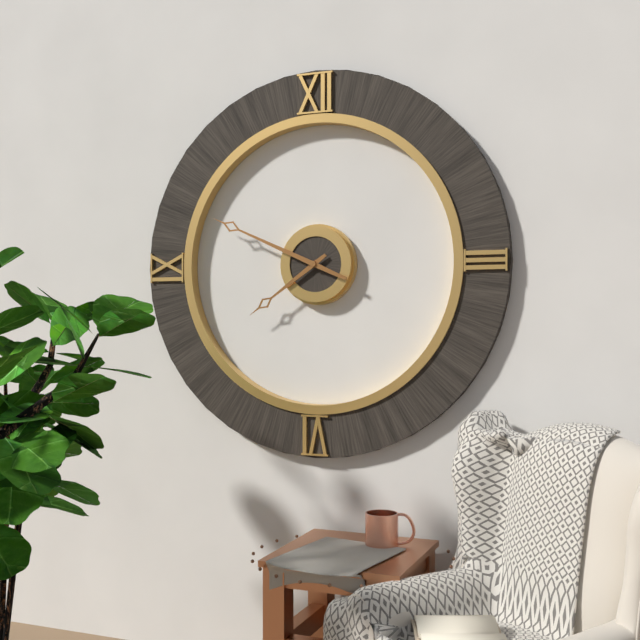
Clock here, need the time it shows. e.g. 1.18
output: 7.49
